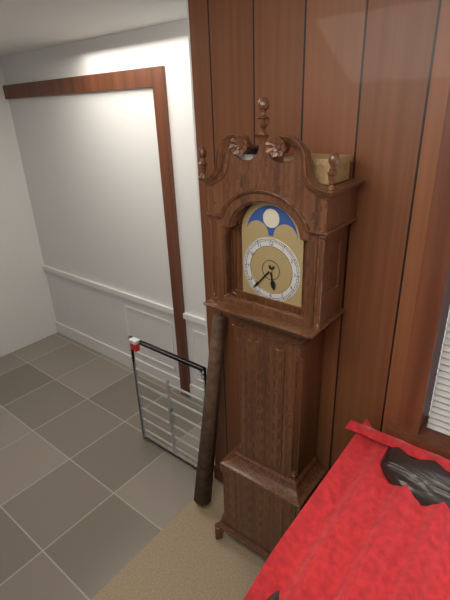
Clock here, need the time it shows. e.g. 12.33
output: 5.37
